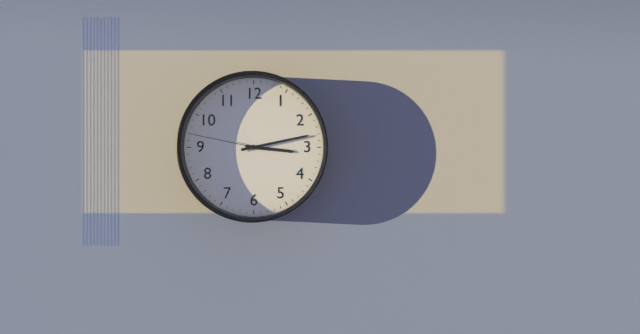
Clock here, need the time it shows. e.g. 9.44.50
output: 3.13.47
